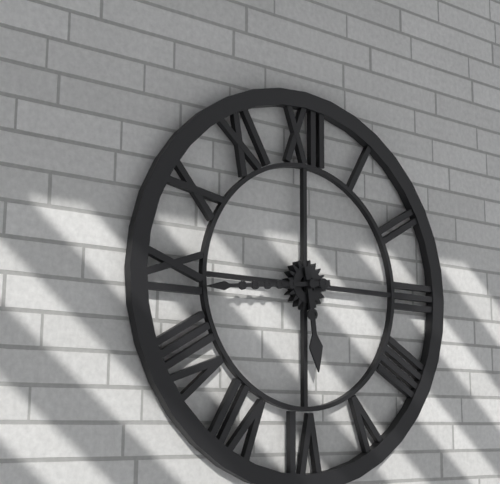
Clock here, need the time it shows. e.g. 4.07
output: 5.44
